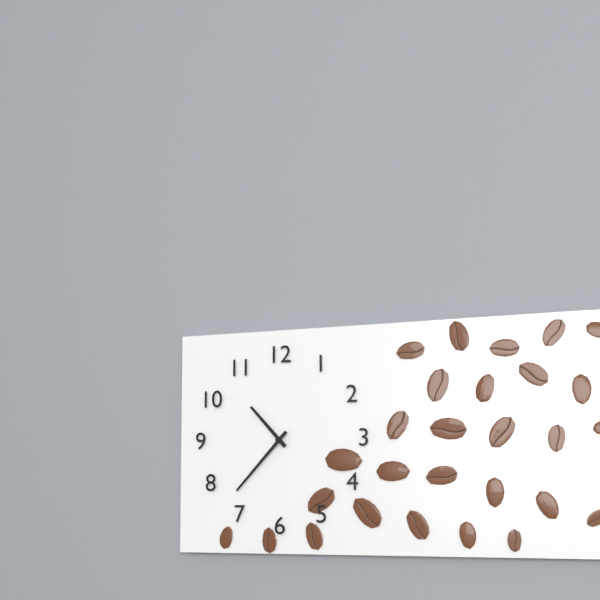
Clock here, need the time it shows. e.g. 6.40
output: 10.37
